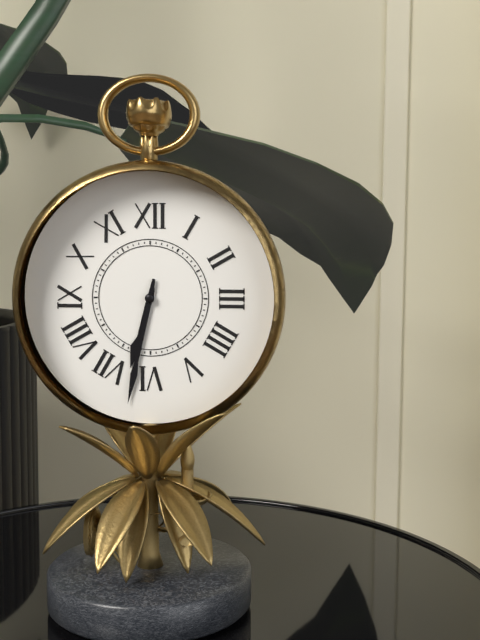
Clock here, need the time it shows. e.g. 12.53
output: 6.32
